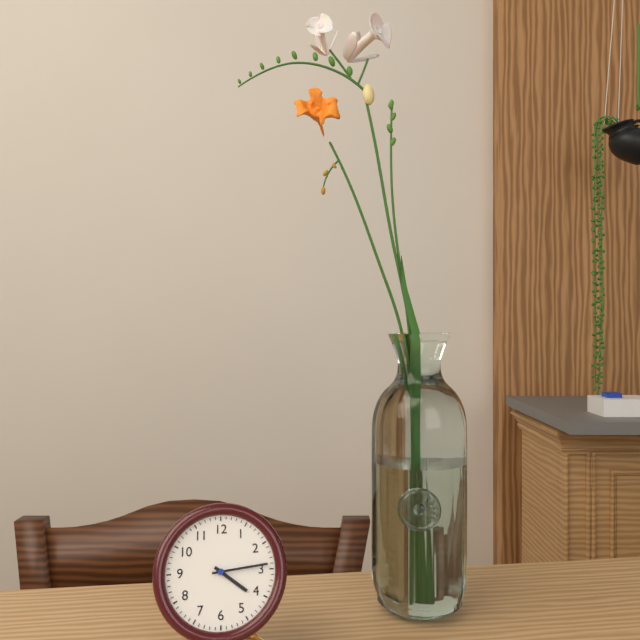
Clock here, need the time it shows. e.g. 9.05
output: 4.14
